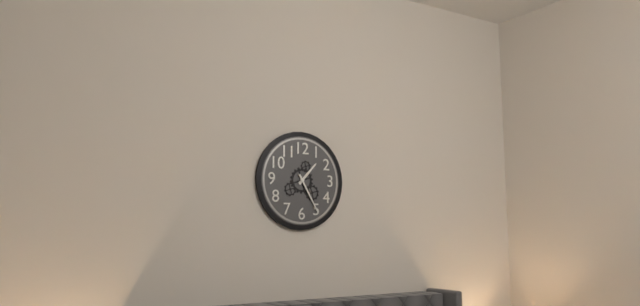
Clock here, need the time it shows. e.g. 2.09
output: 1.25
